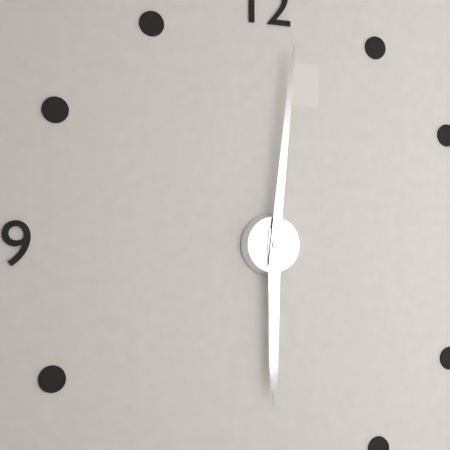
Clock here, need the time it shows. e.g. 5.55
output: 6.01
